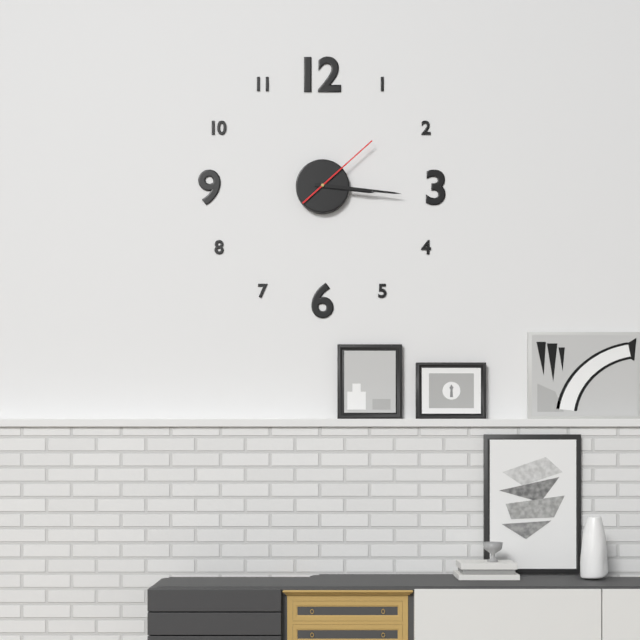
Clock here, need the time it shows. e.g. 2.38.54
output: 3.16.08
